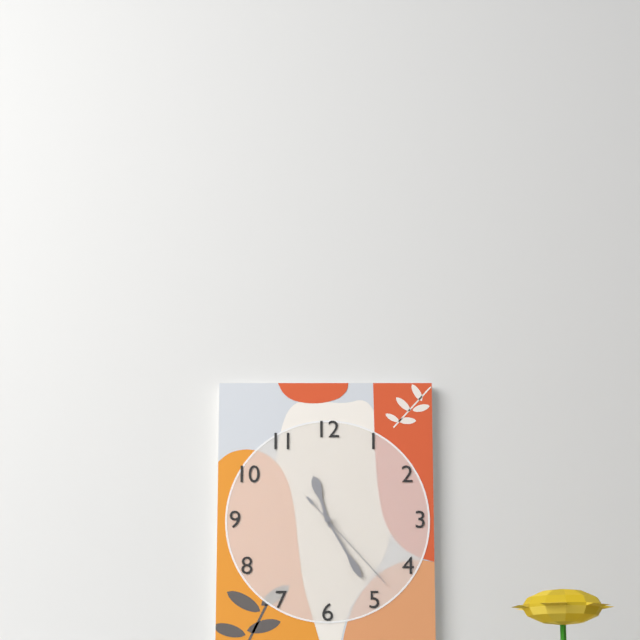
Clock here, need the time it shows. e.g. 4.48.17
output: 11.25.23
